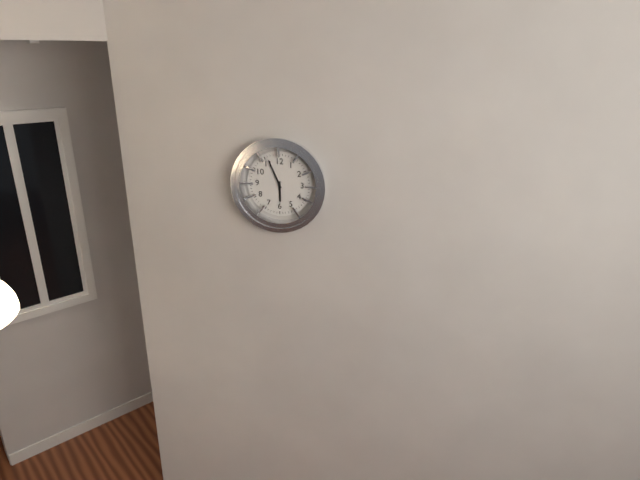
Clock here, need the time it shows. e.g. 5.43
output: 5.56
